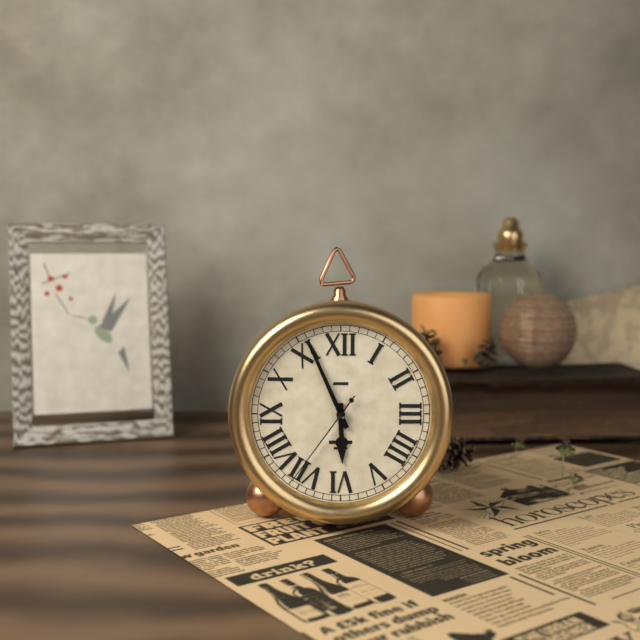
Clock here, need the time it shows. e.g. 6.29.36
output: 5.56.36
